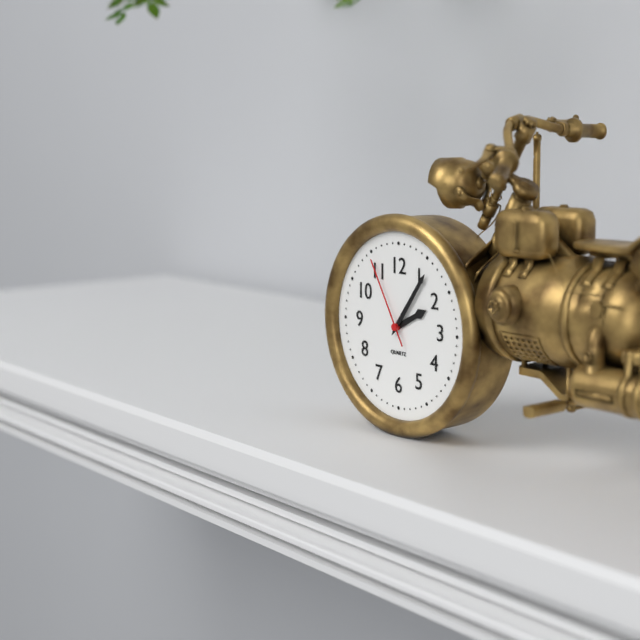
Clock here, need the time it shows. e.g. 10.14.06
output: 2.06.55
